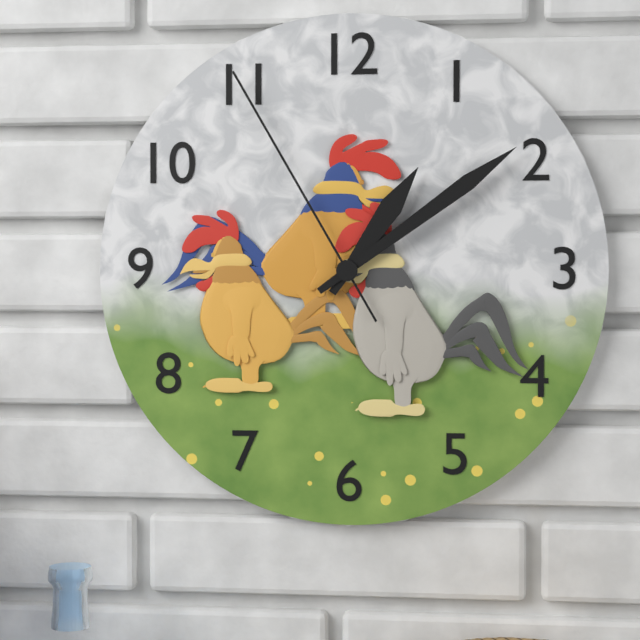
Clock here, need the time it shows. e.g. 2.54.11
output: 1.09.55
